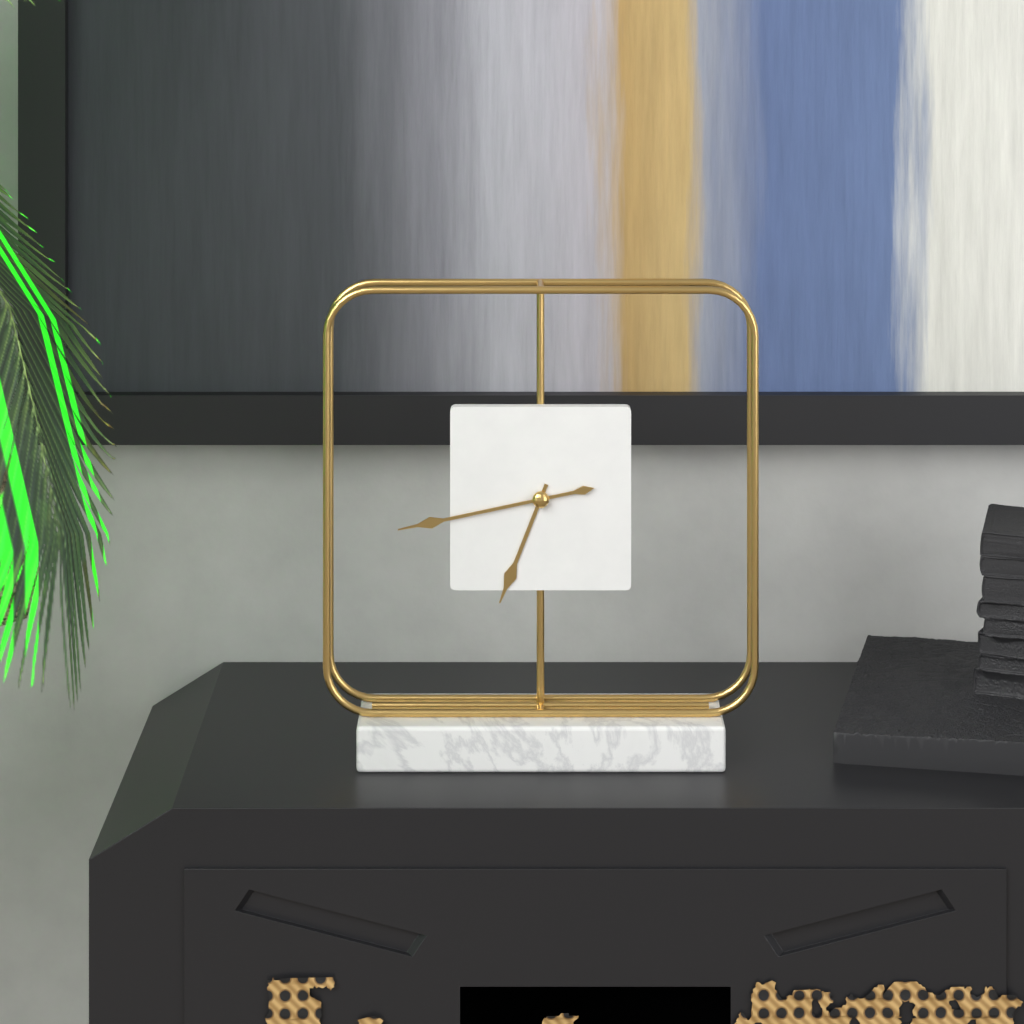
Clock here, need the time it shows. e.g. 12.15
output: 6.43
